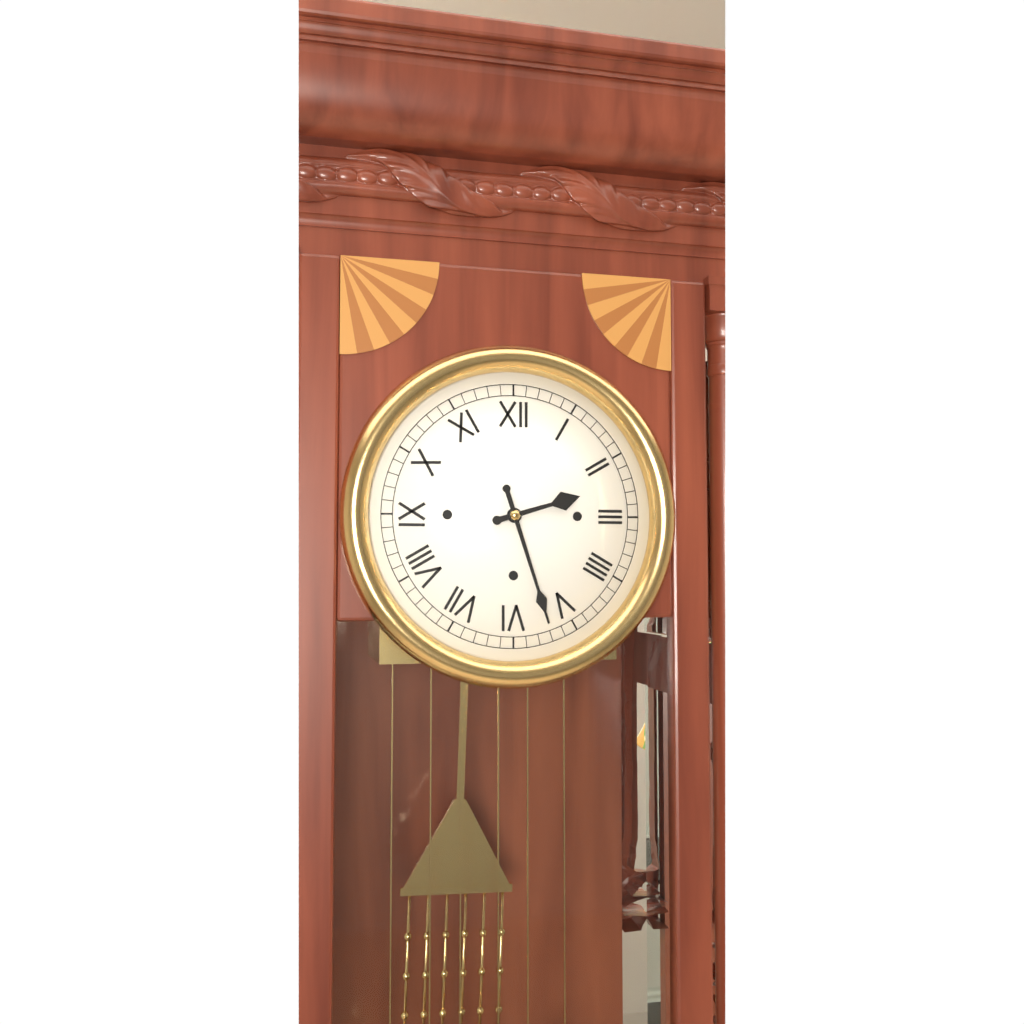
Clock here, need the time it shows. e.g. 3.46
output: 2.27
